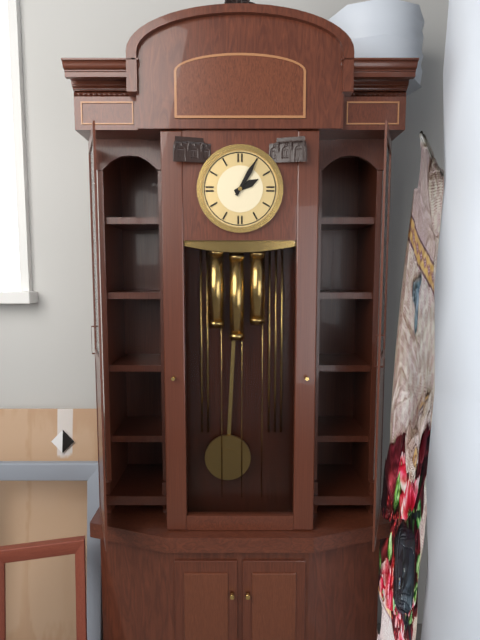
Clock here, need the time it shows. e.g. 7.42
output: 2.05
